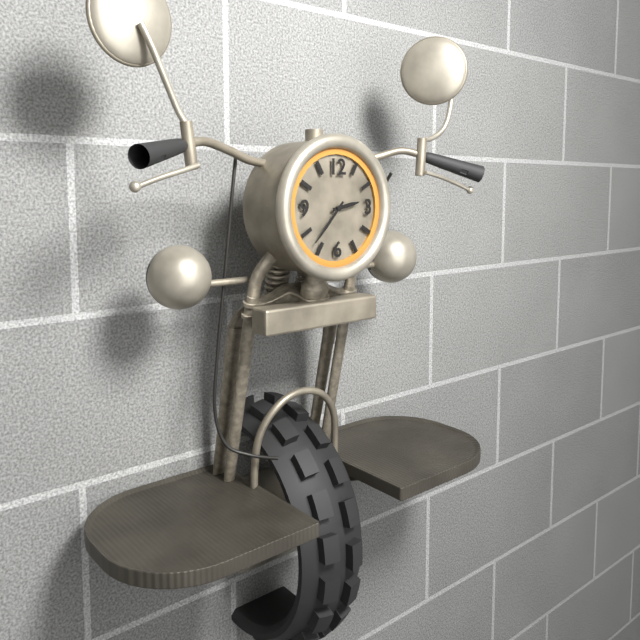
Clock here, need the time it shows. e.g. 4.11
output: 2.37
